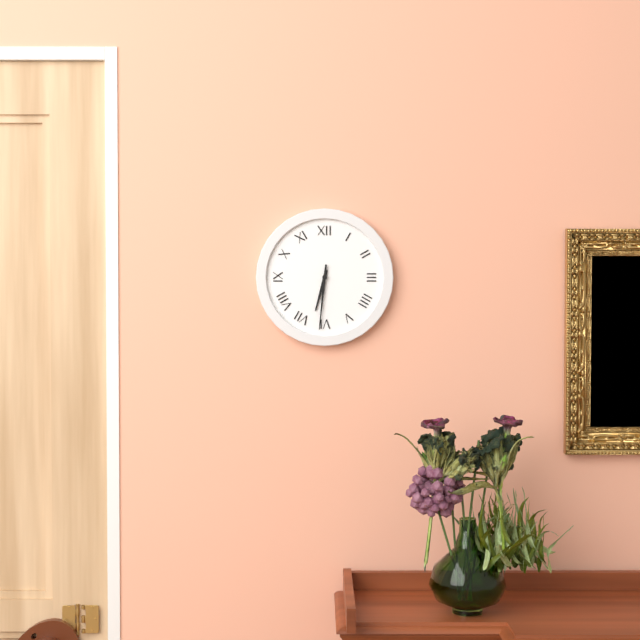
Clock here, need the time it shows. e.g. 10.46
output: 6.31
